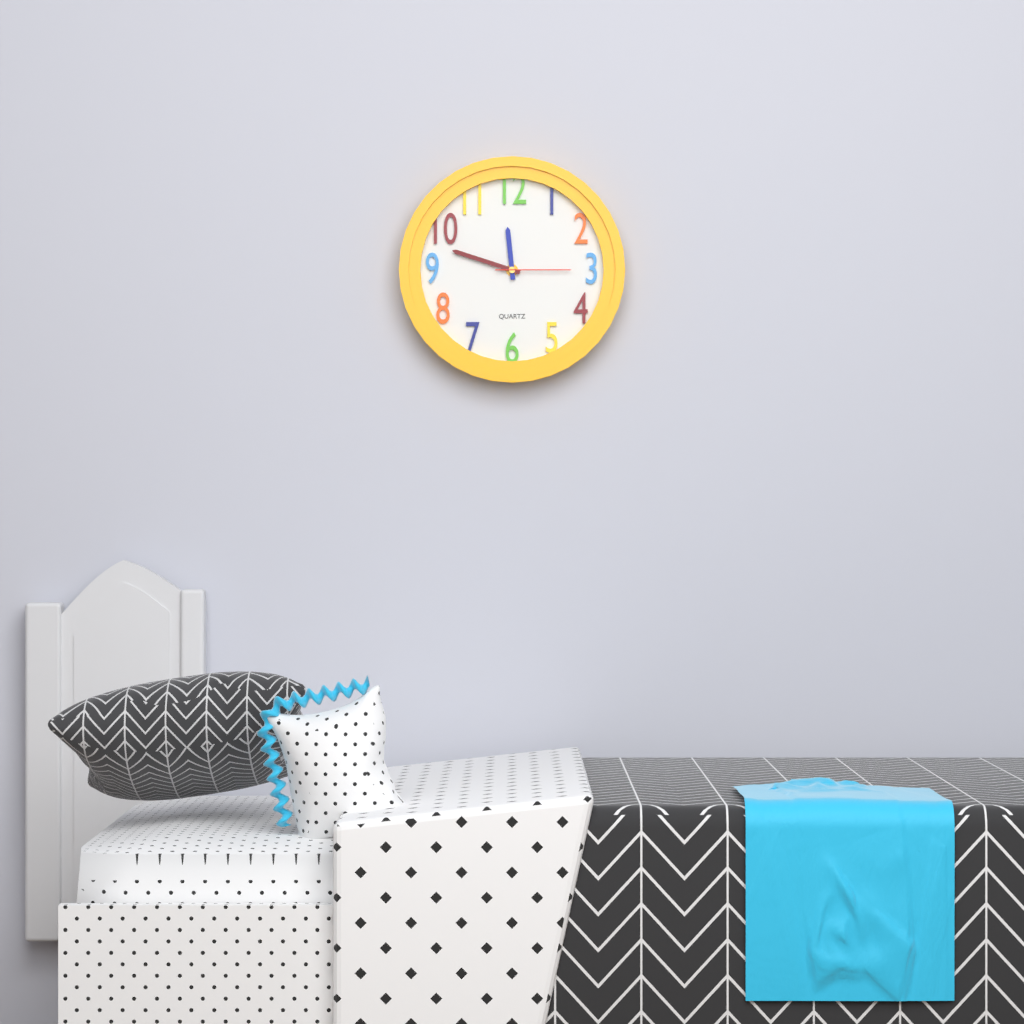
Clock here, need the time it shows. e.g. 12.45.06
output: 11.48.15
